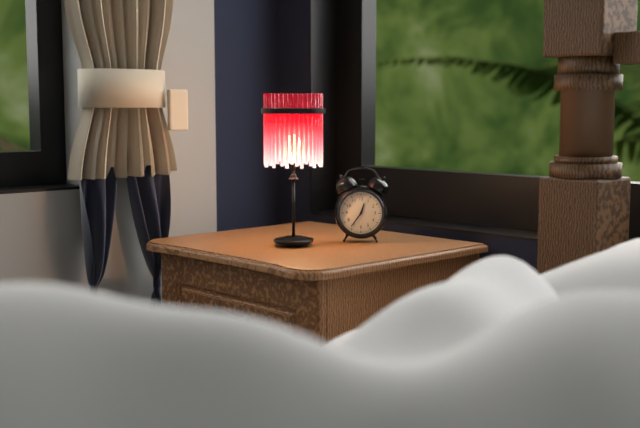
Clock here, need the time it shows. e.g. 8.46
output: 12.36
